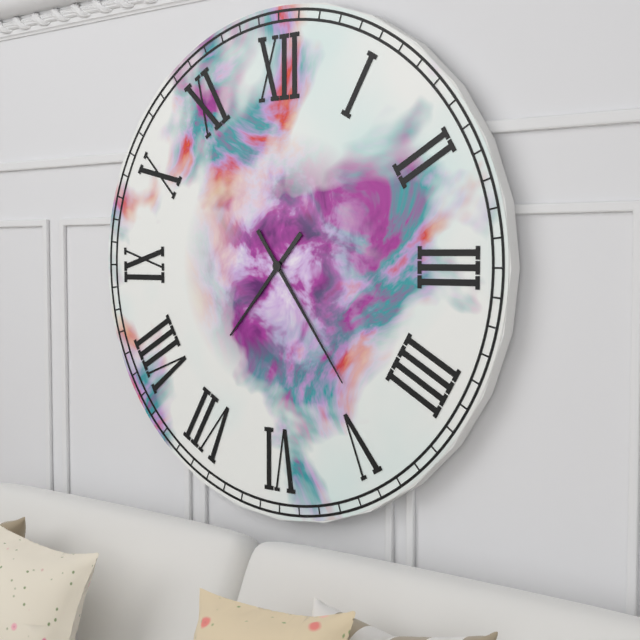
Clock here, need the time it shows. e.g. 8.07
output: 7.24
